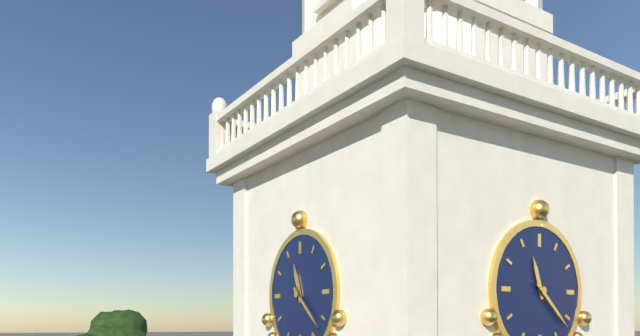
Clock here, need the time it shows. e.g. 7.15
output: 11.22
